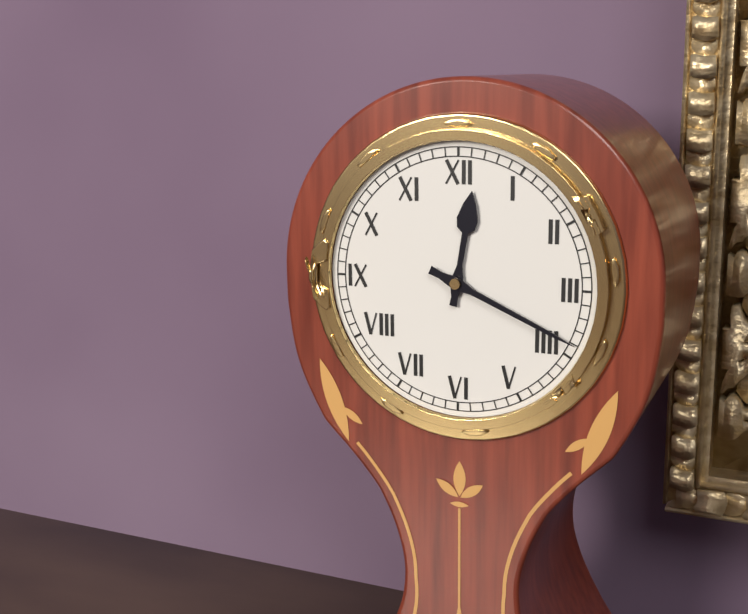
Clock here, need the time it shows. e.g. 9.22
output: 12.19
